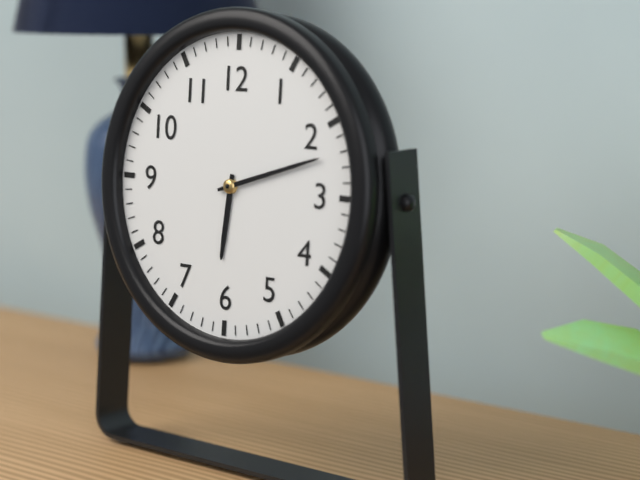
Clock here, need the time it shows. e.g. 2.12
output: 6.12
